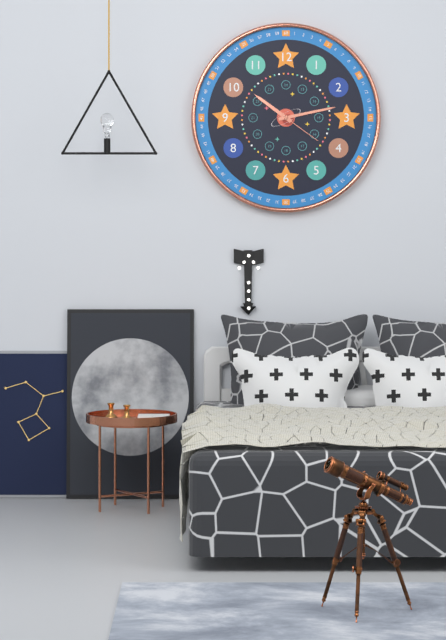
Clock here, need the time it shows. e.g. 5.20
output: 10.13
